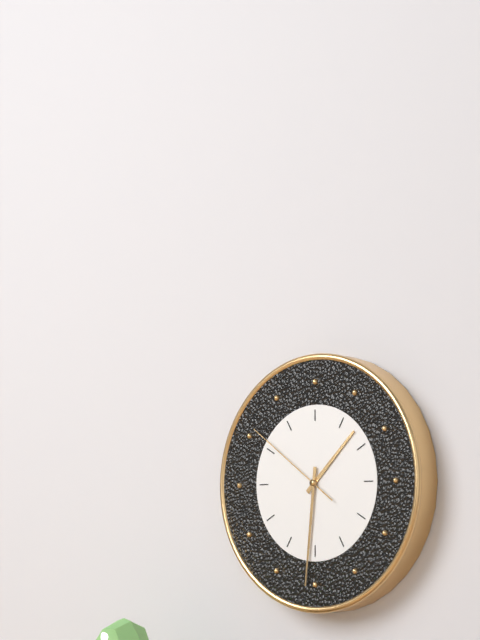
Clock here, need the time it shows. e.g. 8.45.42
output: 1.31.51
